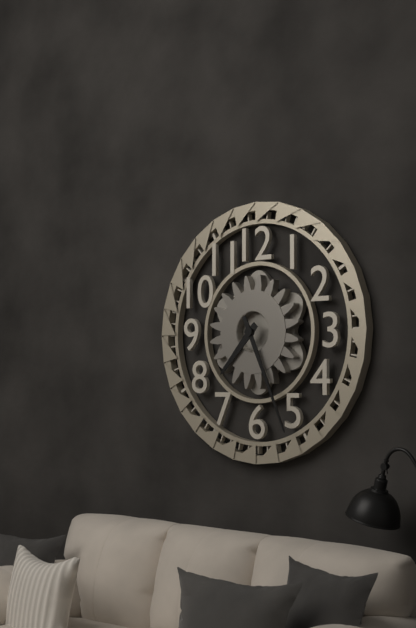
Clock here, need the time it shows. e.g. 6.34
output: 7.26
